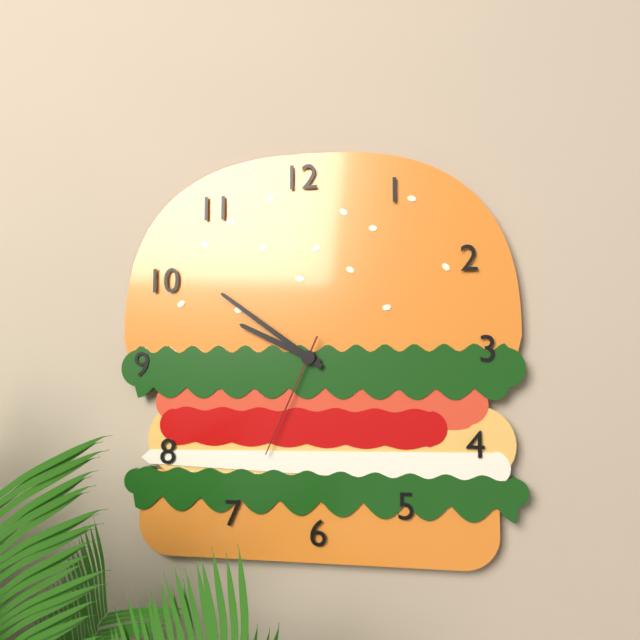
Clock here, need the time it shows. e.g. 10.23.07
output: 9.51.34
